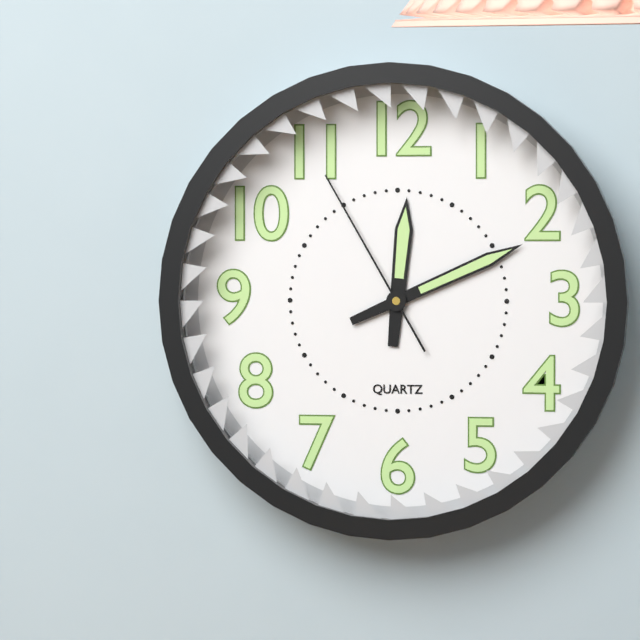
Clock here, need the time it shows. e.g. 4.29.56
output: 12.11.55
